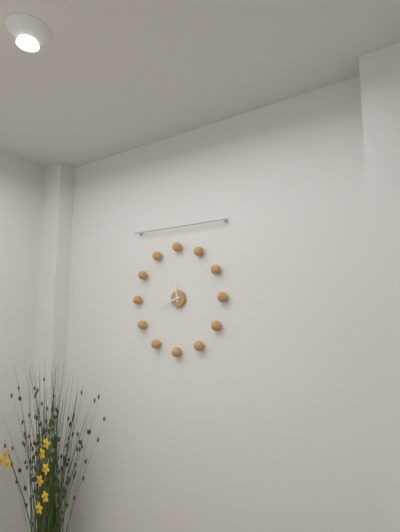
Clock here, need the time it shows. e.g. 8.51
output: 11.42
